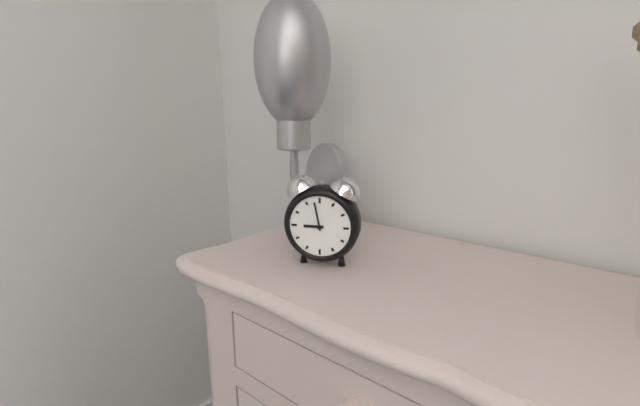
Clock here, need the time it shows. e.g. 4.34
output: 8.58
